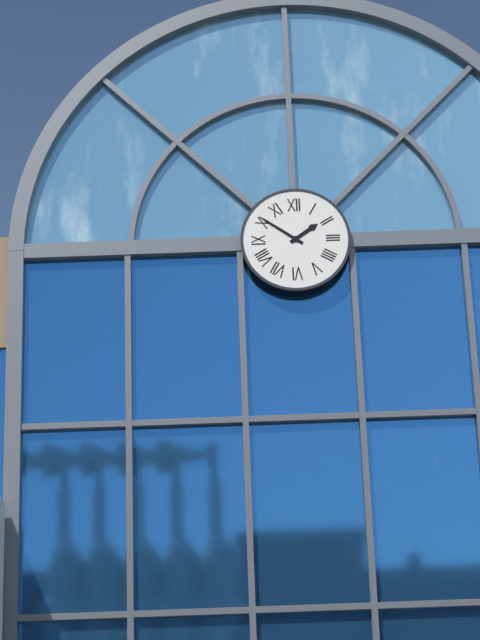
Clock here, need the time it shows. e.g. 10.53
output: 1.51
